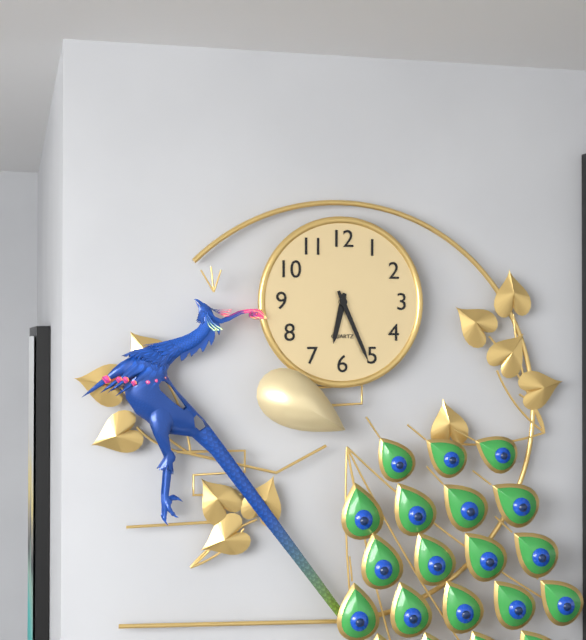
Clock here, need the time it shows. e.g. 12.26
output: 6.26
